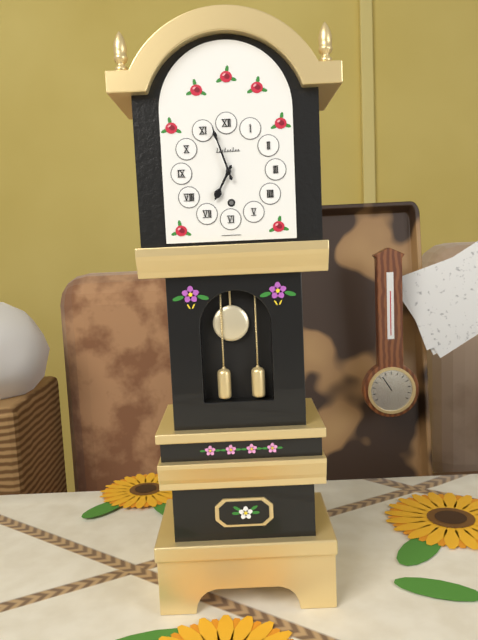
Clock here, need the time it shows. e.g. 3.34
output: 6.57
